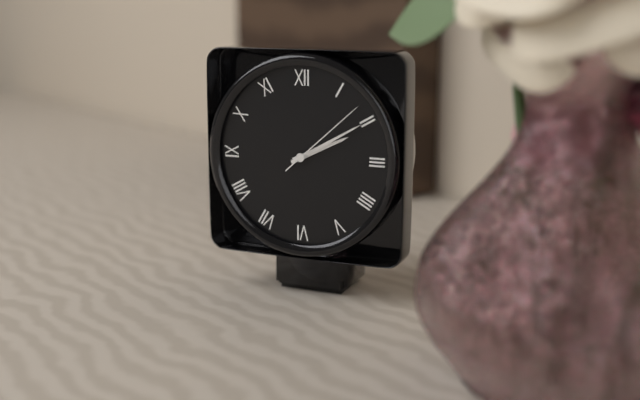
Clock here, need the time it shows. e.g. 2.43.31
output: 2.10.08
